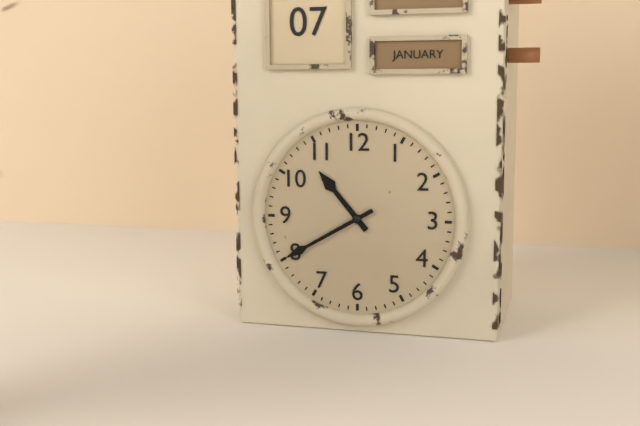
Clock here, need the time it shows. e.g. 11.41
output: 10.40
